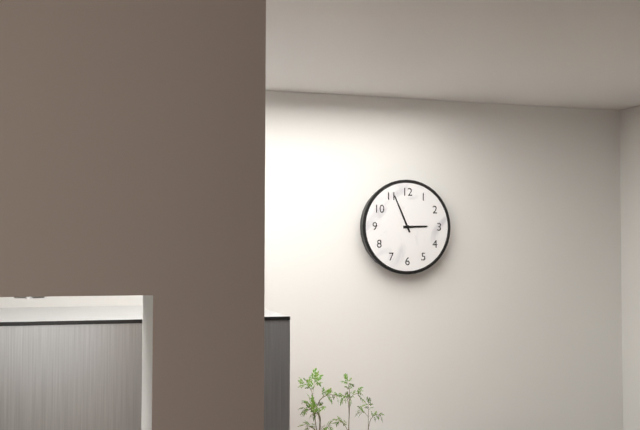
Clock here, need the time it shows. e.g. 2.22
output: 2.56
